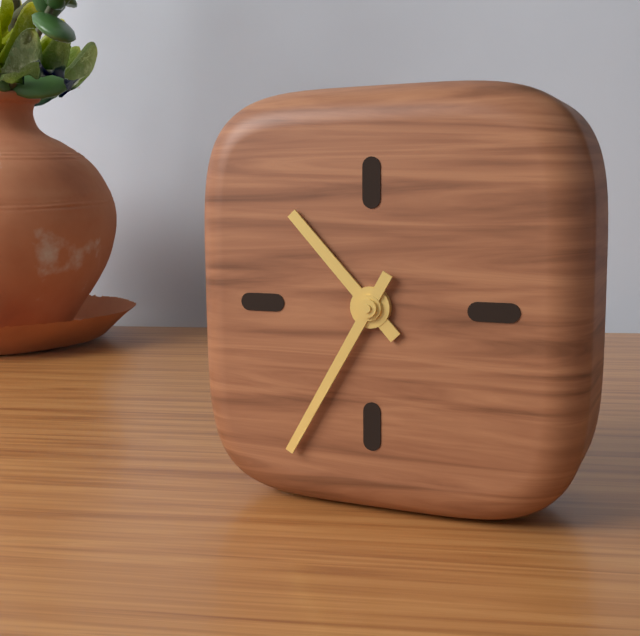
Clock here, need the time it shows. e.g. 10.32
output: 10.35
